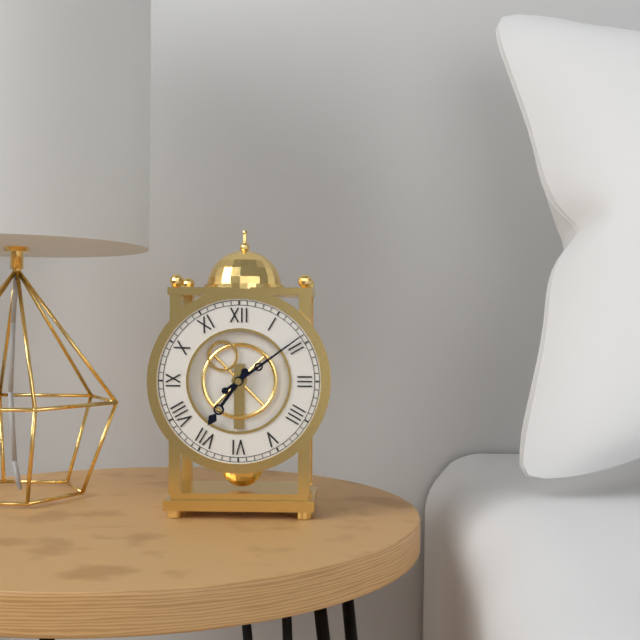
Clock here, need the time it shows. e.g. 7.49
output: 7.09
